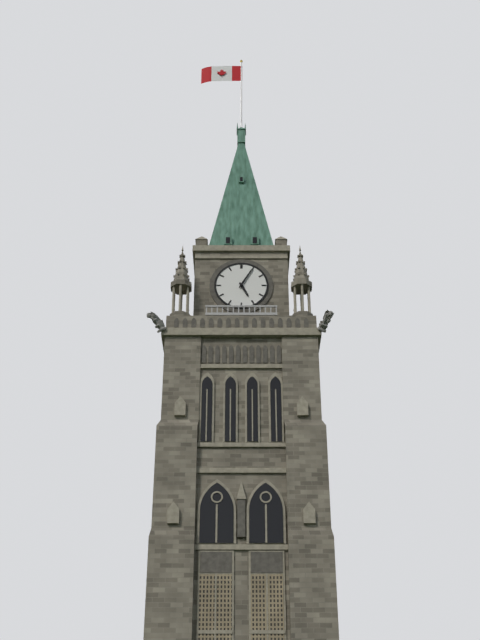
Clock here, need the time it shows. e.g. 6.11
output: 5.05
